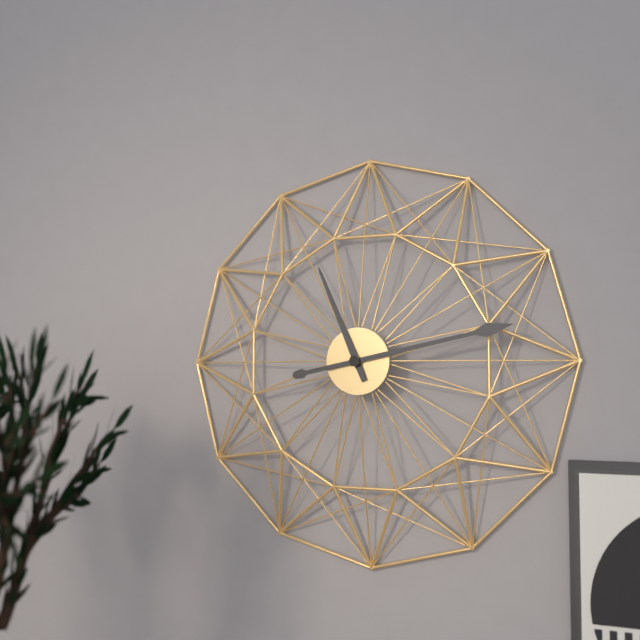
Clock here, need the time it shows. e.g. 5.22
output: 11.13
